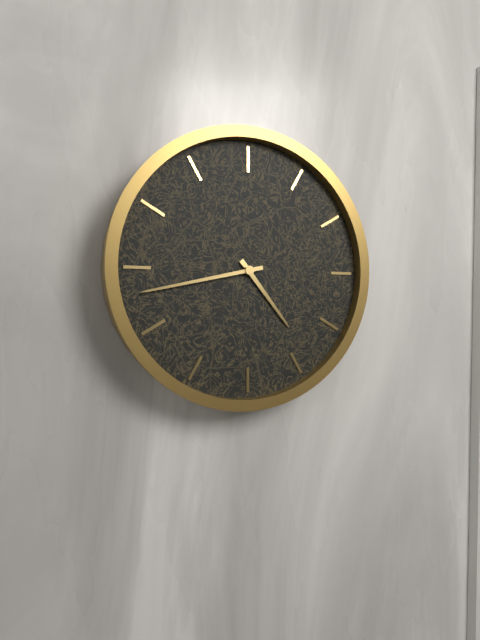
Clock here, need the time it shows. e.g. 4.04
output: 4.43
